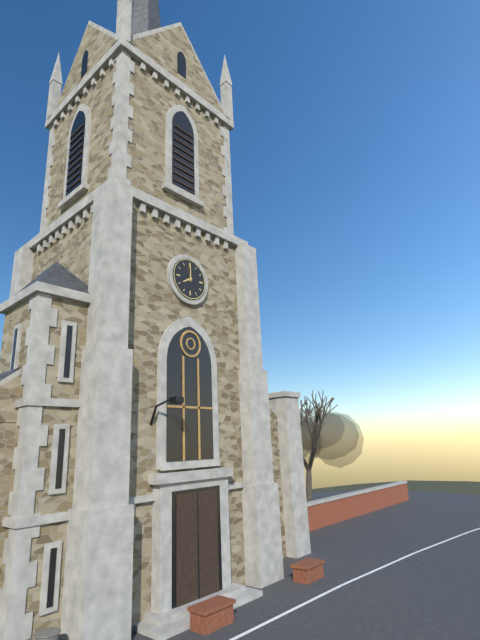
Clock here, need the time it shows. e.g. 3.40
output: 8.00
